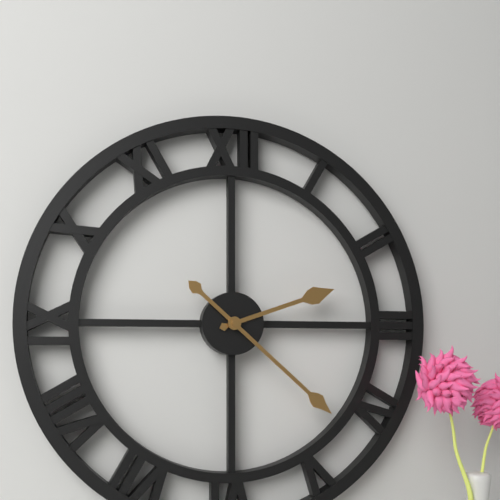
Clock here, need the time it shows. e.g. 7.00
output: 2.22
